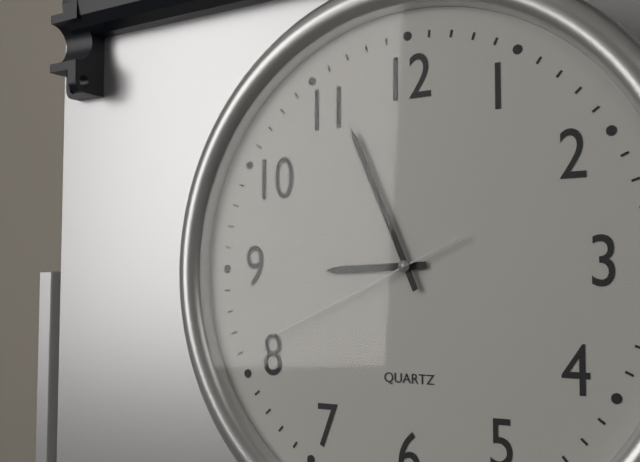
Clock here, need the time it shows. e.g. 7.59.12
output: 8.56.41
